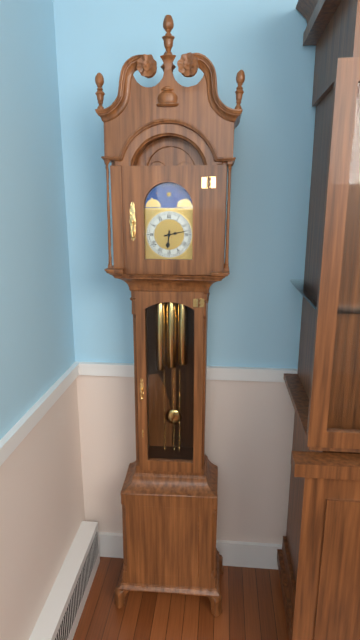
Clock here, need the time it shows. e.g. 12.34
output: 6.13
